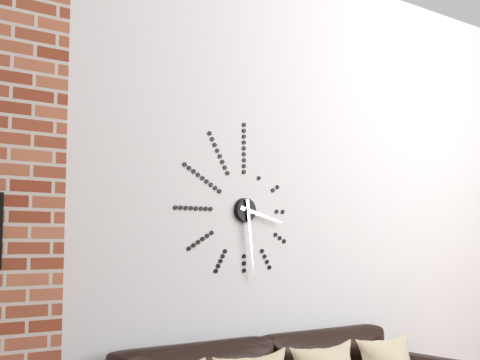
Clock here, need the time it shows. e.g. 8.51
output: 3.29
